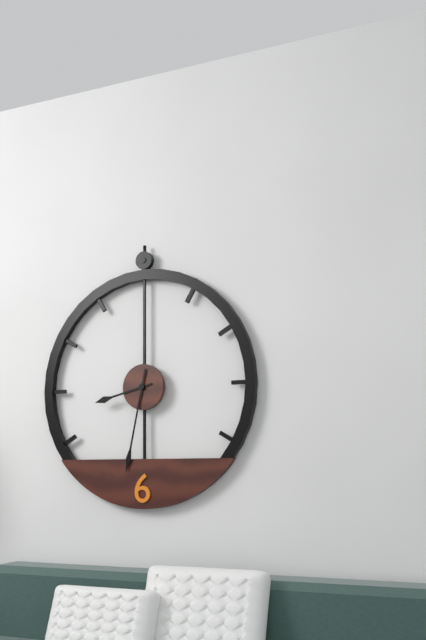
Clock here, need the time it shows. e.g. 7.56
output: 8.32
